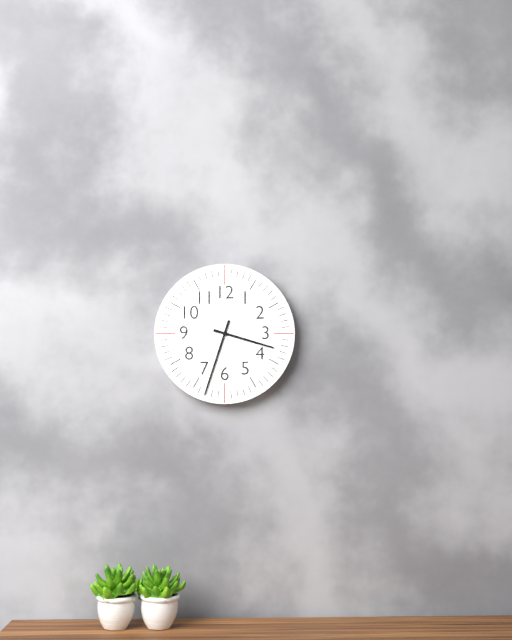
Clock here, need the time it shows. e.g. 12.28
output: 3.33
